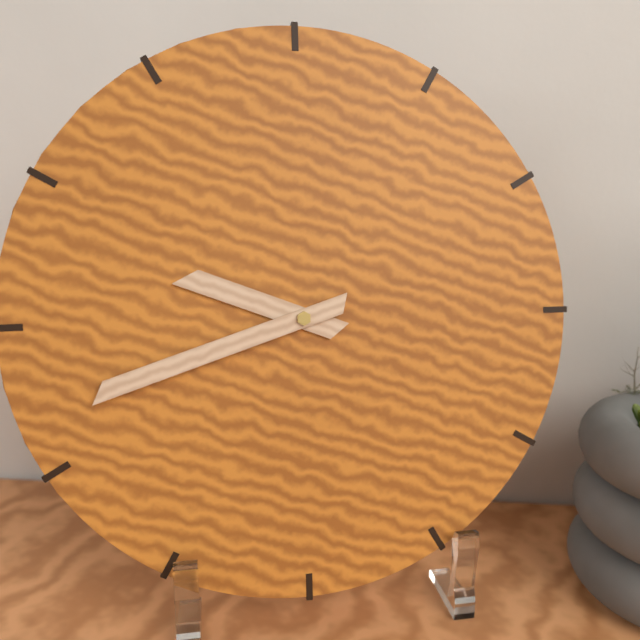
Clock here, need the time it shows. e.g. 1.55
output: 9.42
